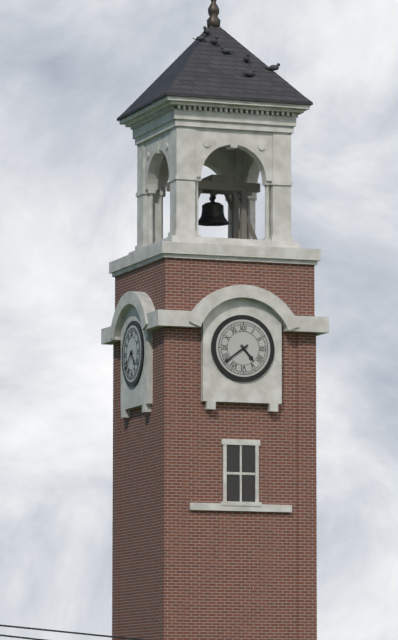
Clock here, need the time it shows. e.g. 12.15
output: 4.39
